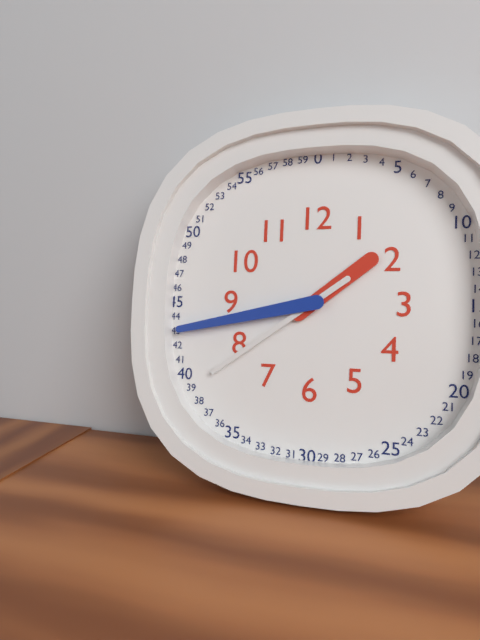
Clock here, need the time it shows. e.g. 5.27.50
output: 1.43.39
